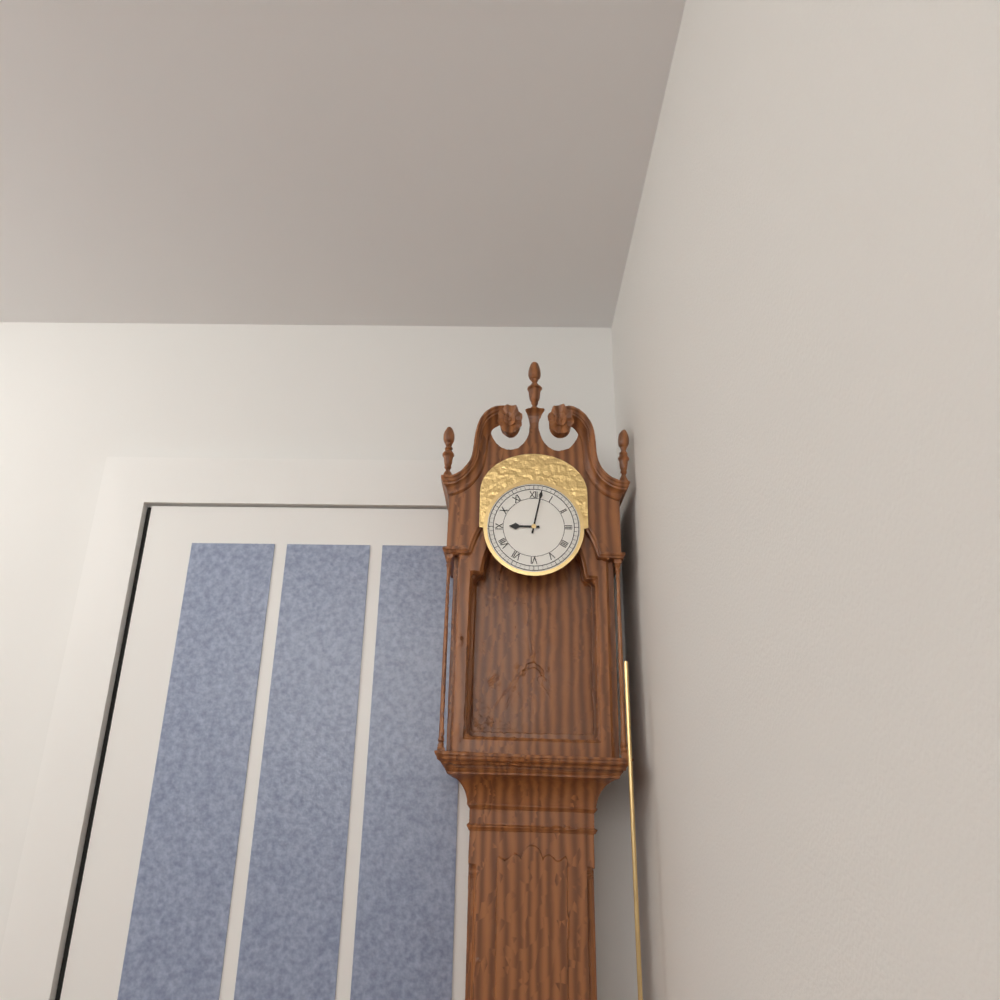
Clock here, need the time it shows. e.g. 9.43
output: 9.02
